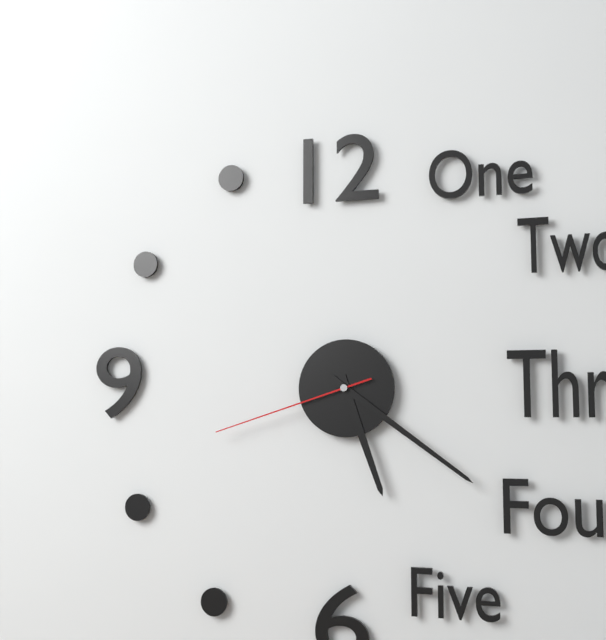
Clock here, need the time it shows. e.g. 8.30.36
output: 5.21.42
